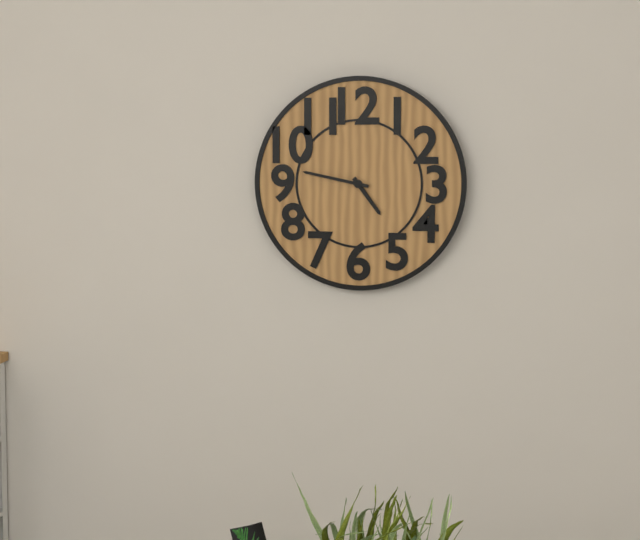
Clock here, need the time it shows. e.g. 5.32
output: 4.47
